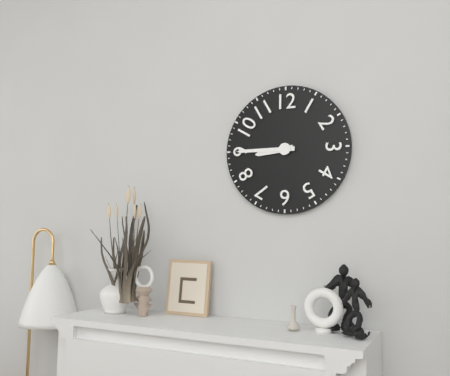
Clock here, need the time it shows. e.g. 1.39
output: 8.45
